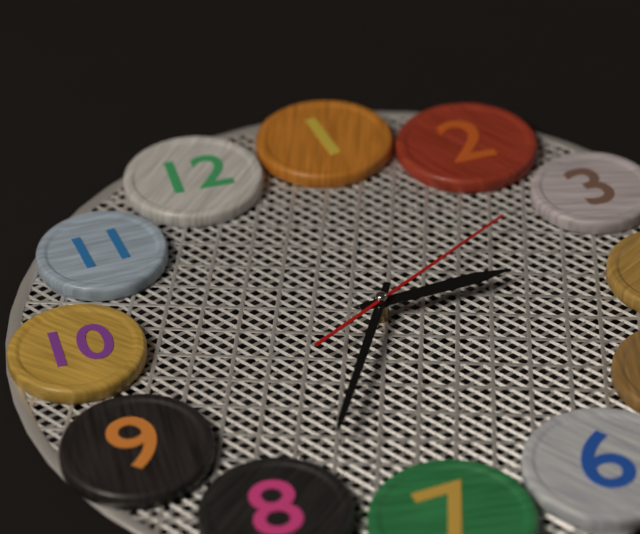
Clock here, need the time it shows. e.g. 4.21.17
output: 3.39.14
